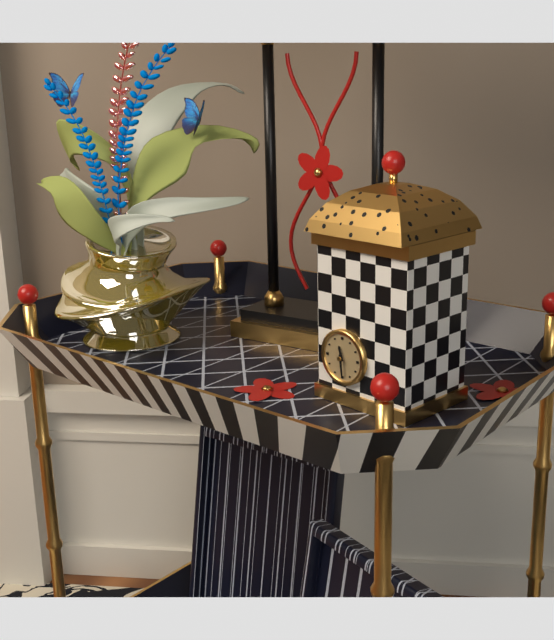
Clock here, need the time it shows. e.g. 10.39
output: 11.29
